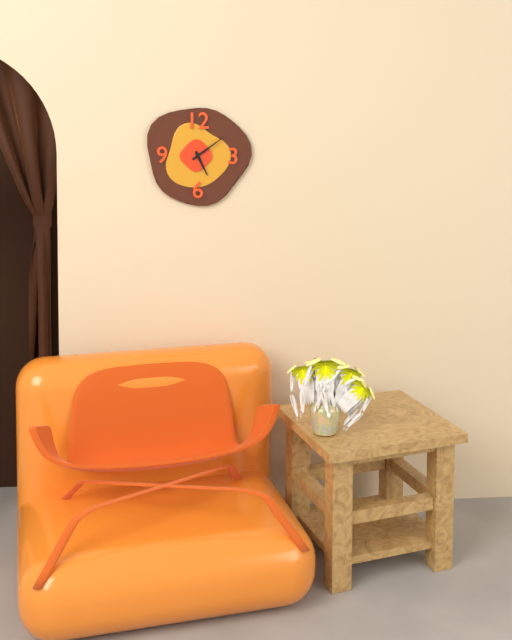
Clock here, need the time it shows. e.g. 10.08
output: 5.09
